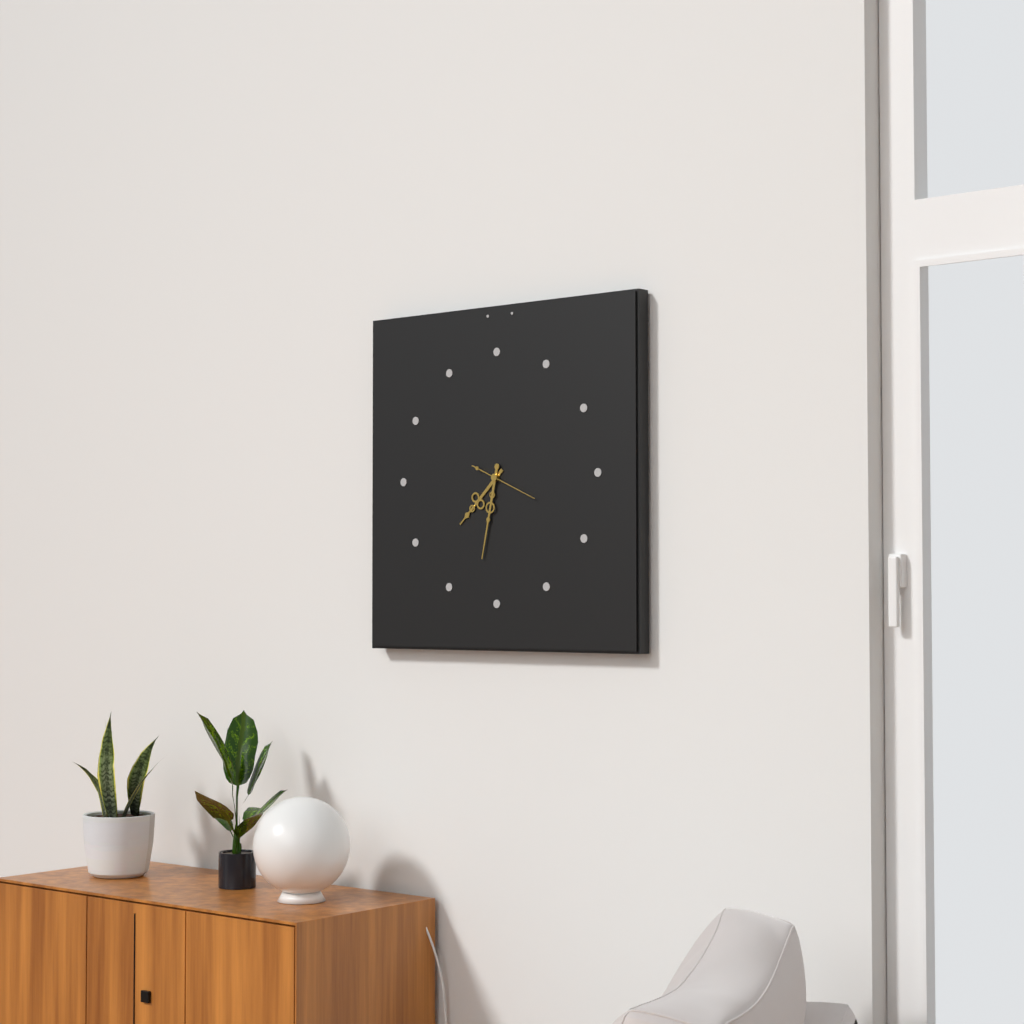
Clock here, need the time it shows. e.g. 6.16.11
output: 7.32.19
